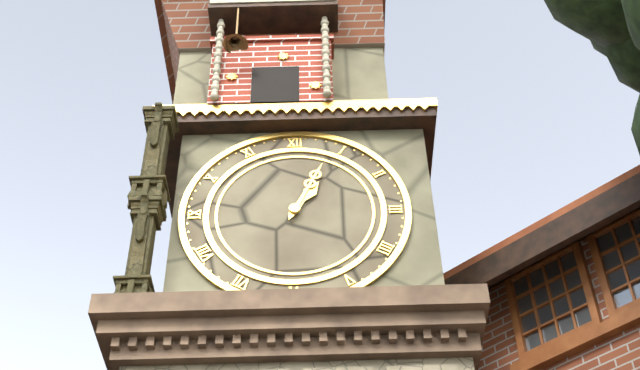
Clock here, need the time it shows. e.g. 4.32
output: 1.04
